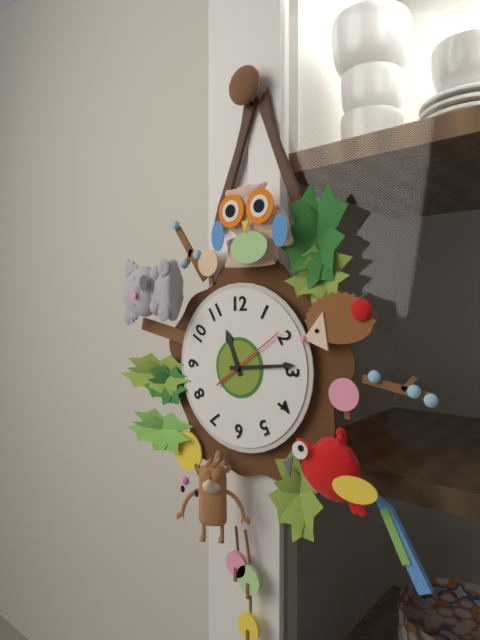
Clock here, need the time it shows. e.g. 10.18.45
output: 11.14.09
